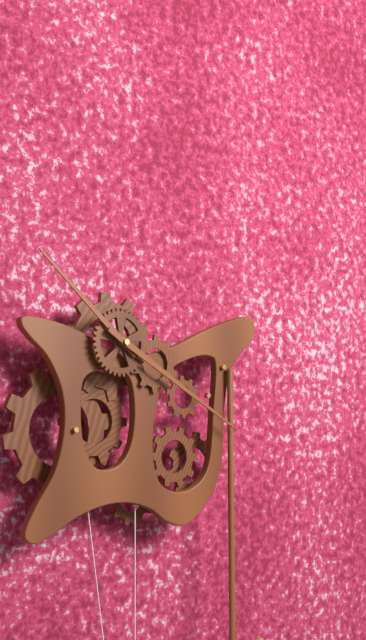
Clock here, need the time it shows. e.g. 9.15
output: 10.20
